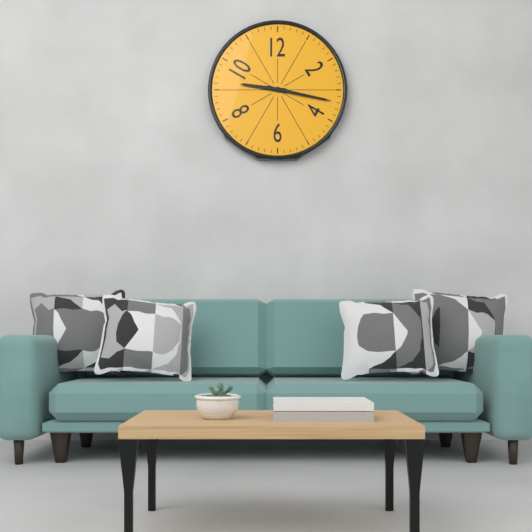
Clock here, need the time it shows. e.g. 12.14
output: 9.17
